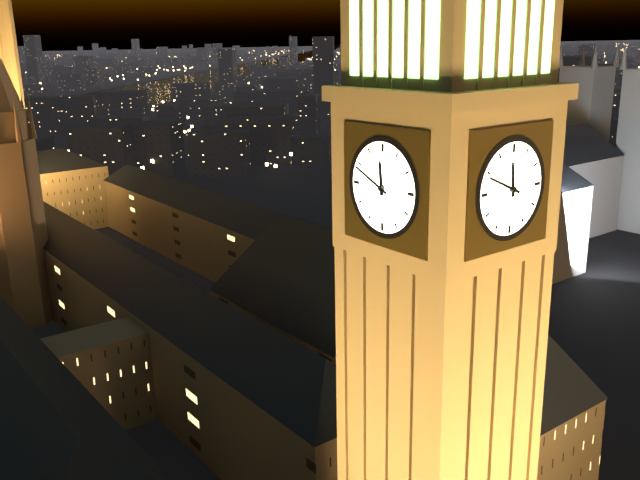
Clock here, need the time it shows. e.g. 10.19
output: 11.49
